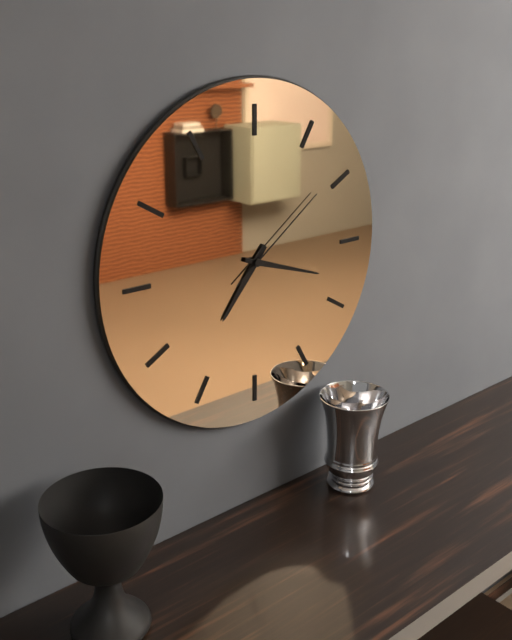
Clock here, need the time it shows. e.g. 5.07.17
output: 7.18.09
